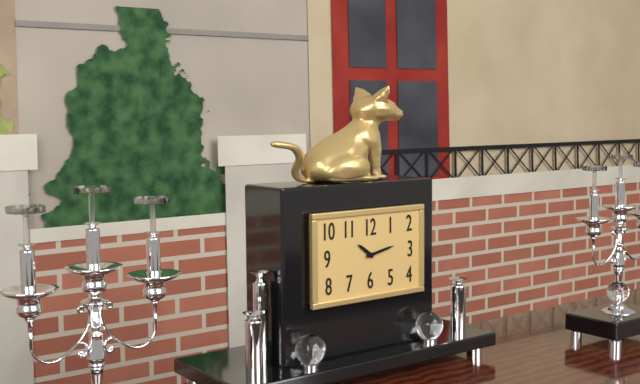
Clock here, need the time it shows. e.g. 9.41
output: 10.13
